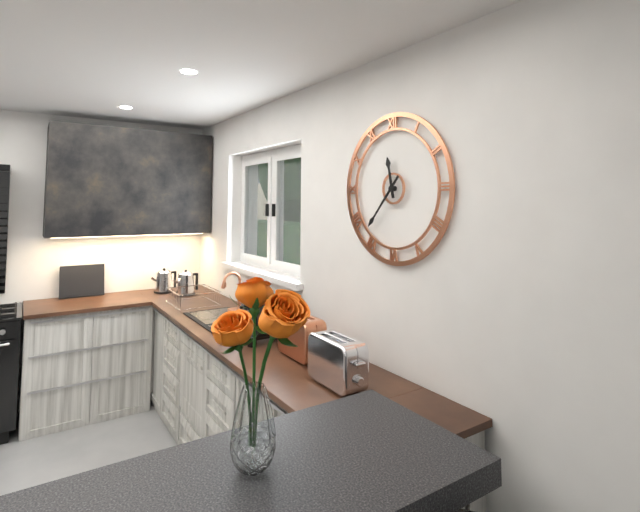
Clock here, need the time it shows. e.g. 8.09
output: 11.37
